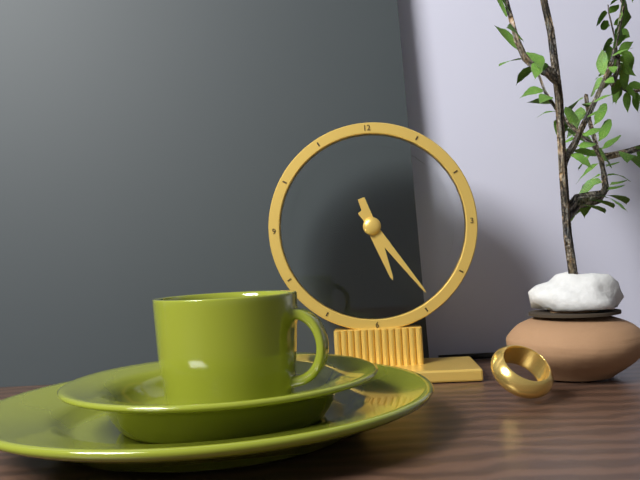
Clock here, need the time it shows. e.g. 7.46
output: 5.24
